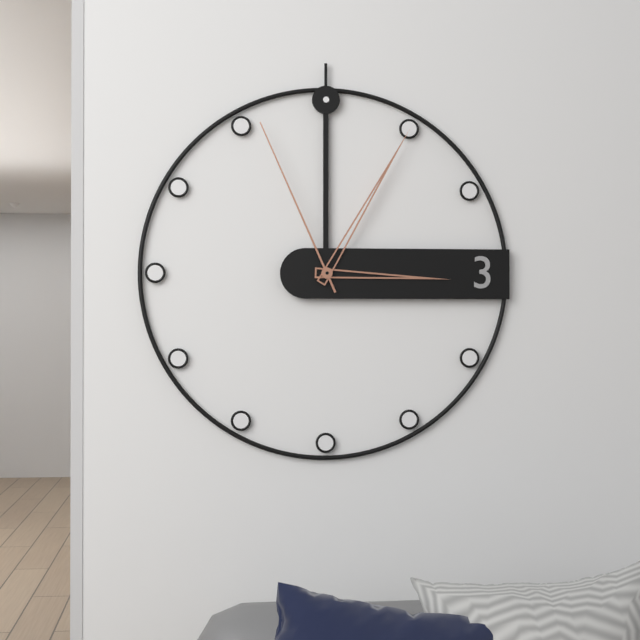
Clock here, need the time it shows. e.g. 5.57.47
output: 3.05.56
